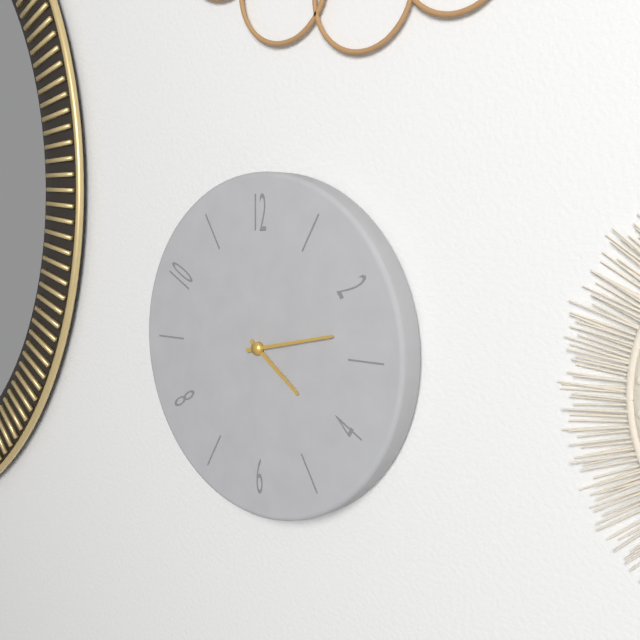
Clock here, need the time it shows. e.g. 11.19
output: 4.13
